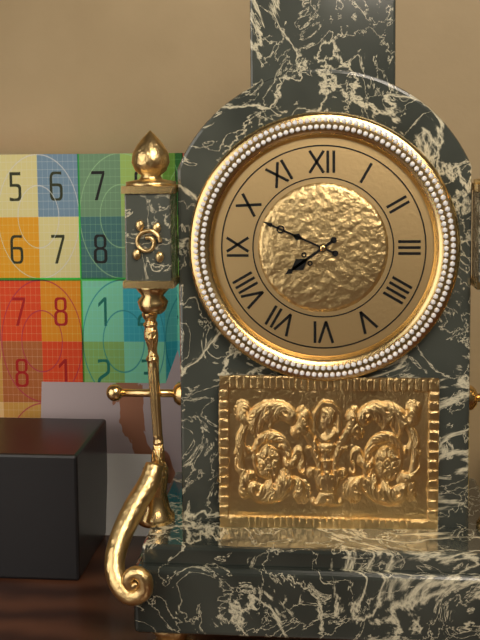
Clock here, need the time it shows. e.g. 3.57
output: 7.49
